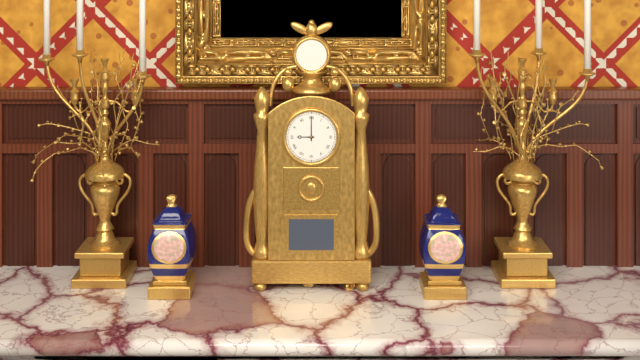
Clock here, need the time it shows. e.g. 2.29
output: 9.00
